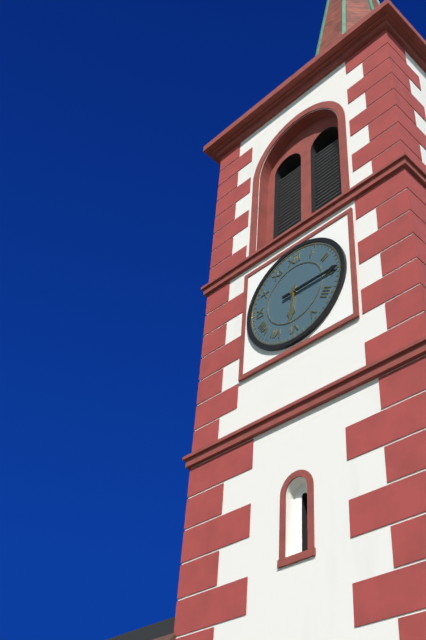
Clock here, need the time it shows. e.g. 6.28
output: 6.15
